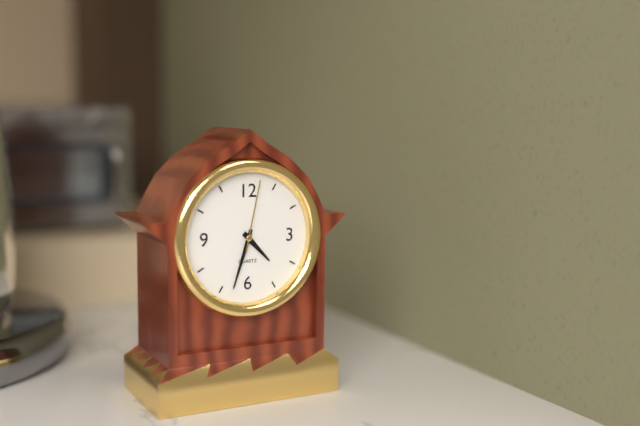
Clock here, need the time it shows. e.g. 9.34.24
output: 4.33.02
